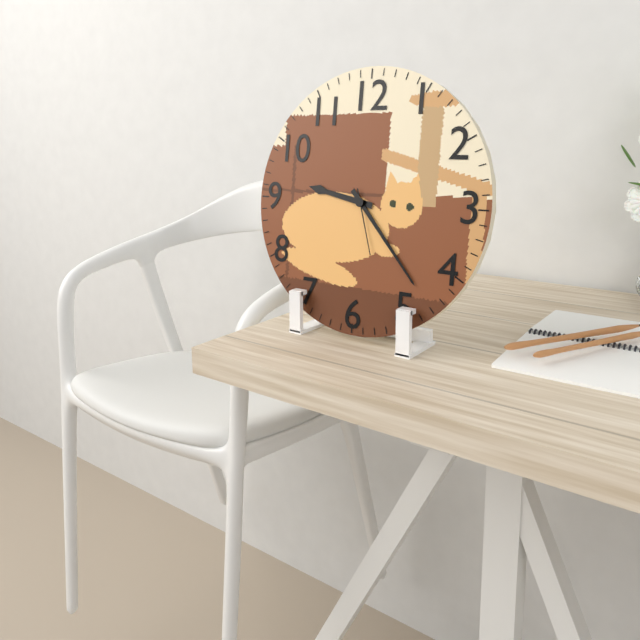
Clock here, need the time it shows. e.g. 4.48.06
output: 9.23.27
